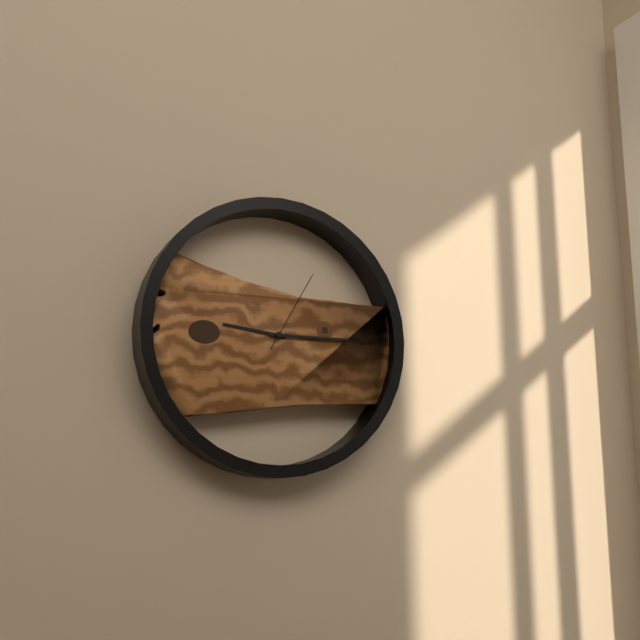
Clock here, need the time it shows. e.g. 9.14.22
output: 9.15.05
